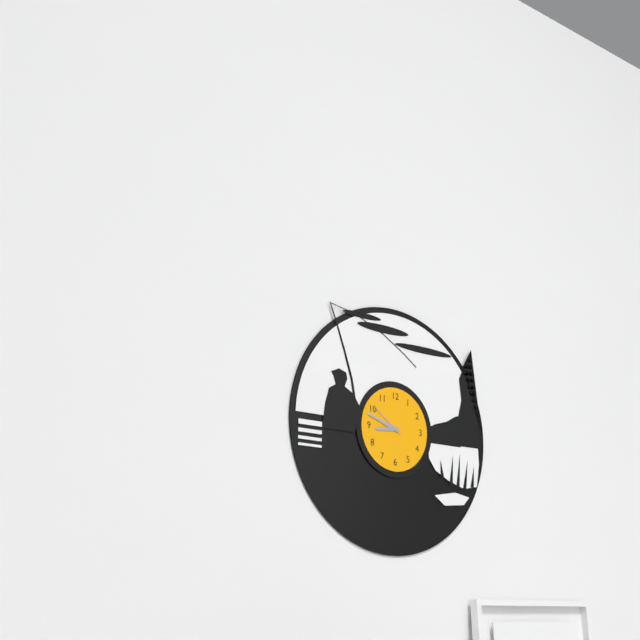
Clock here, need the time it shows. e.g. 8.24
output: 8.48
